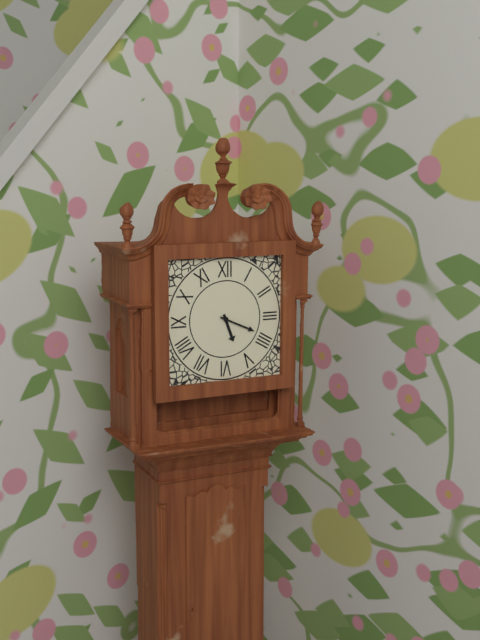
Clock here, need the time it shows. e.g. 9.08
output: 5.19
